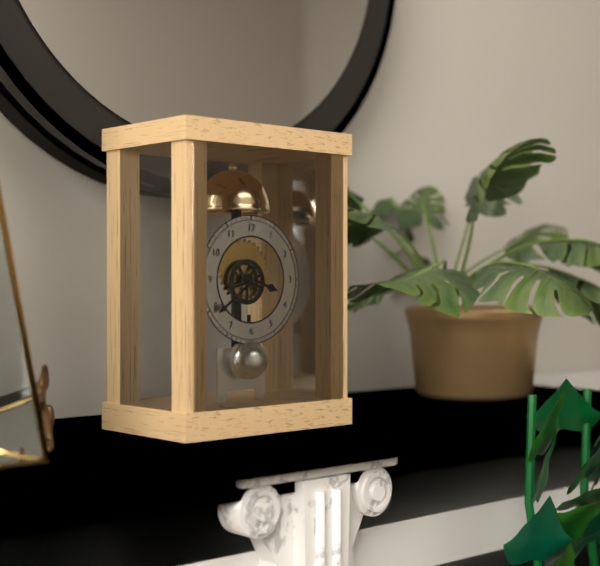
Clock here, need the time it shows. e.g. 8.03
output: 3.39
